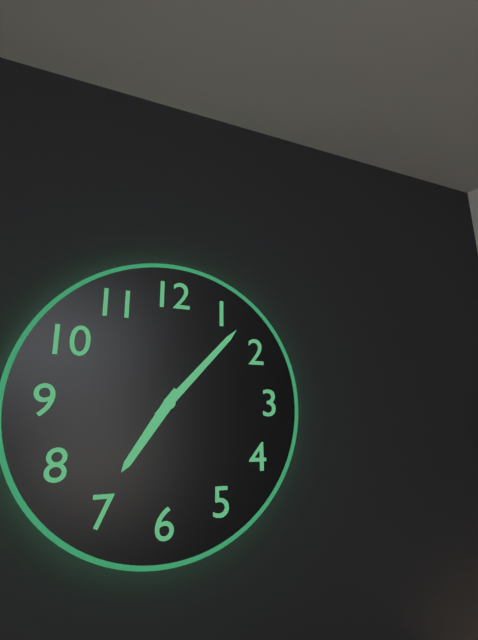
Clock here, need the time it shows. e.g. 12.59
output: 7.07
